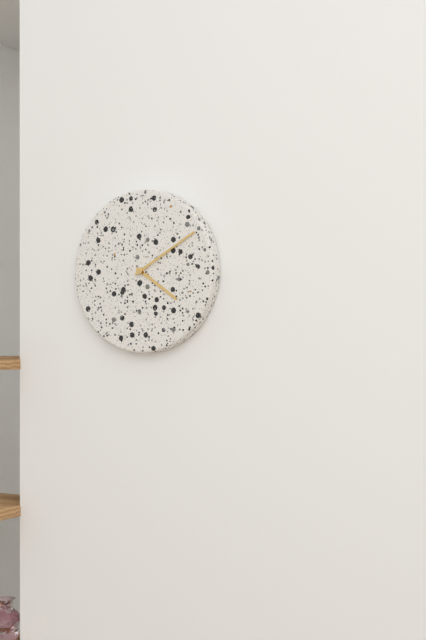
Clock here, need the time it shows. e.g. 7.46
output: 4.10
